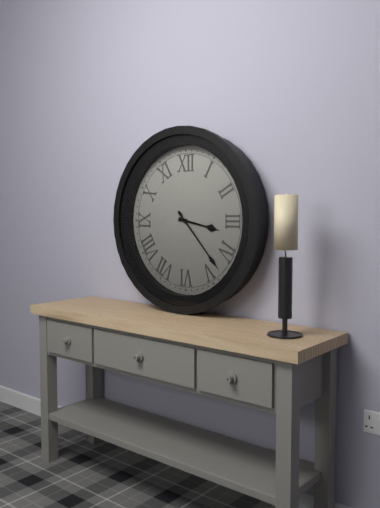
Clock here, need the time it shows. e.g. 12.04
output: 3.23
